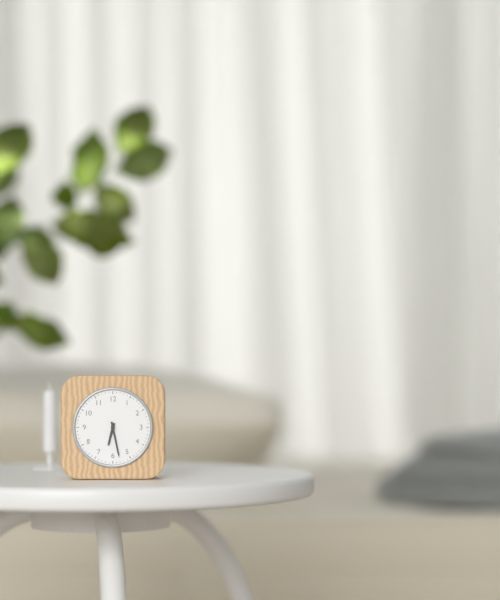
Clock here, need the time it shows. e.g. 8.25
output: 6.28
